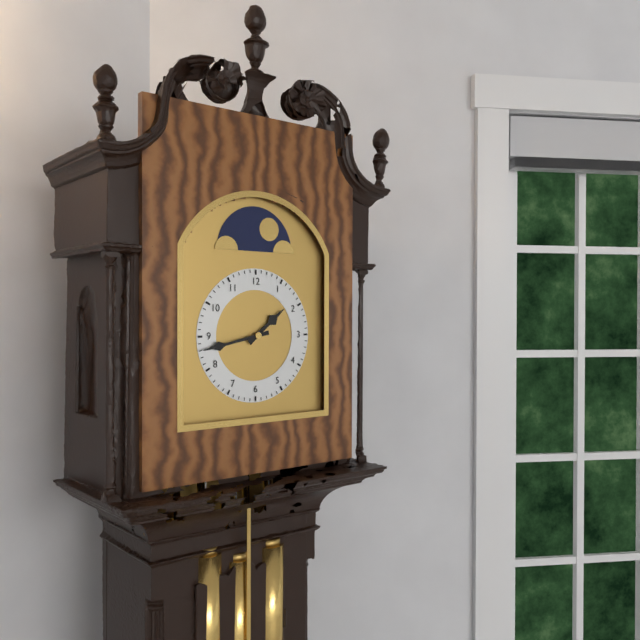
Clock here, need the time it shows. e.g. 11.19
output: 1.43
